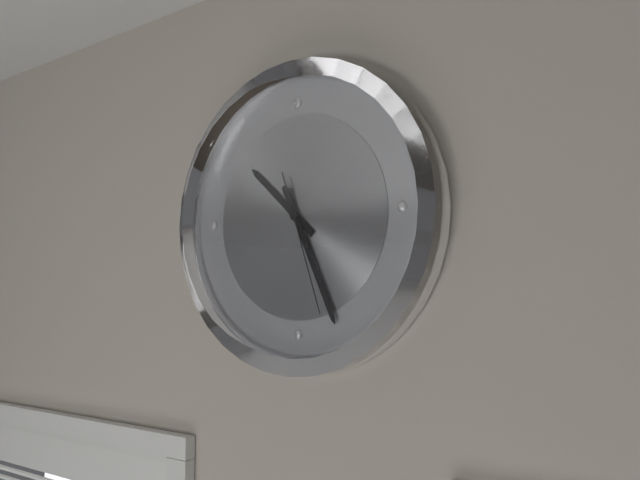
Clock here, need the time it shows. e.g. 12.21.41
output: 10.26.27
